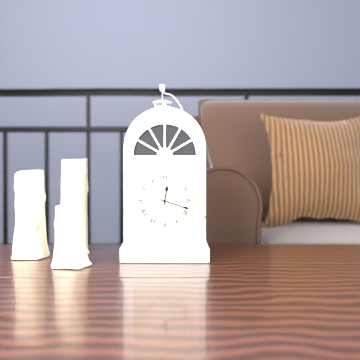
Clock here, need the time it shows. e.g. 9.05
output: 12.18
